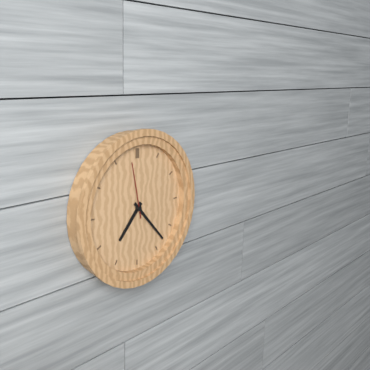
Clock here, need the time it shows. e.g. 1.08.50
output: 7.23.58
